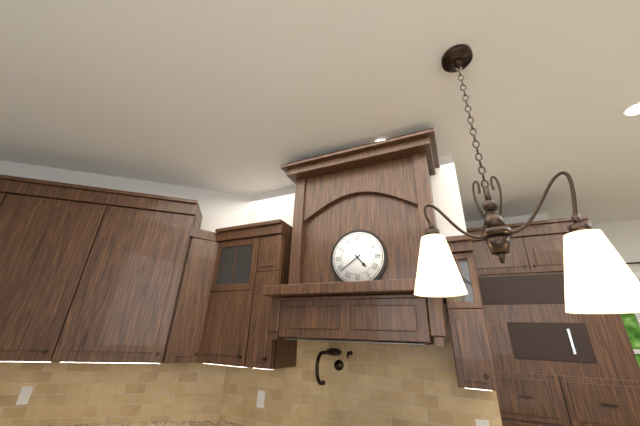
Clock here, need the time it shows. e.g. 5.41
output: 4.39
